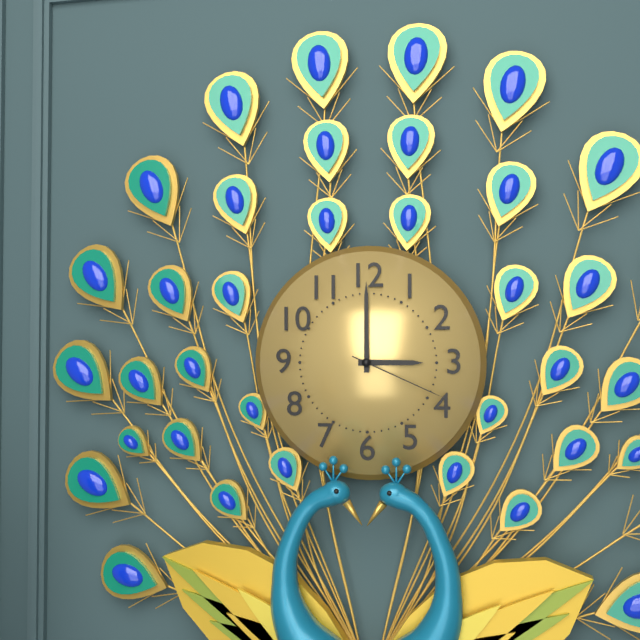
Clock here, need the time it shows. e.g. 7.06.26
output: 3.00.19
